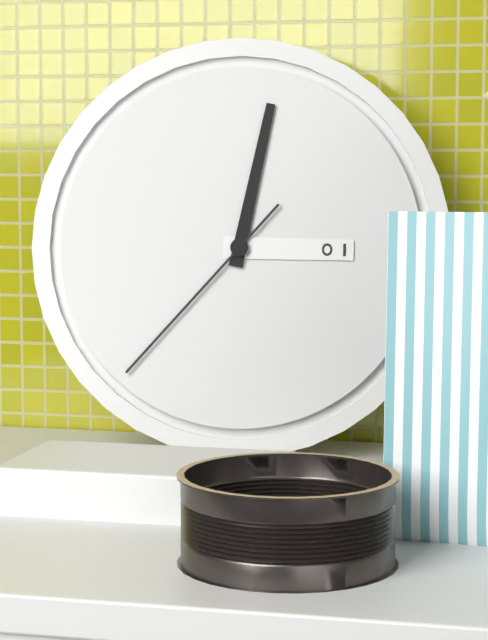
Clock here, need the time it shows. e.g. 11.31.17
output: 3.02.37
